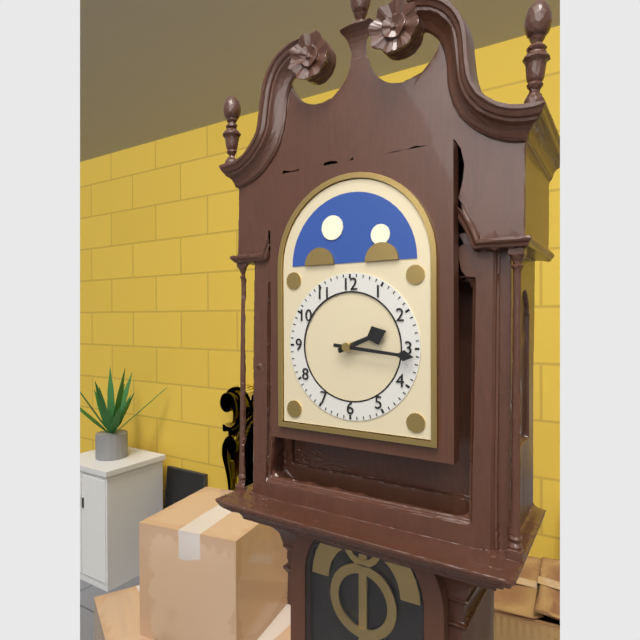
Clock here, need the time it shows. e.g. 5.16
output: 2.16
